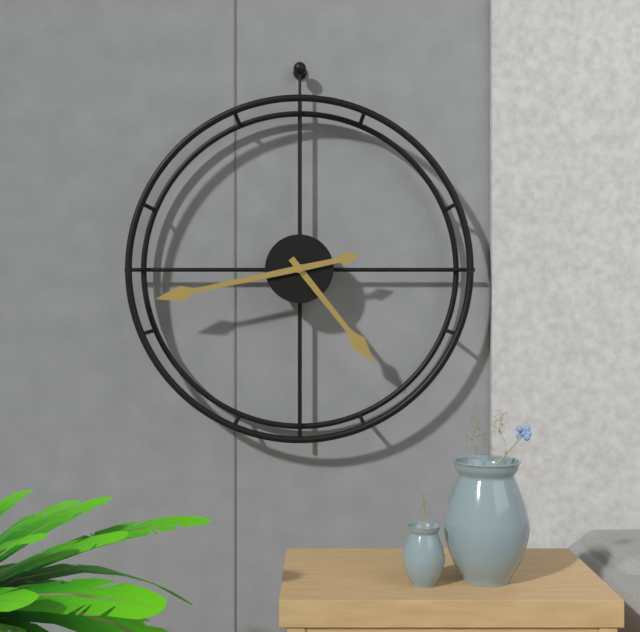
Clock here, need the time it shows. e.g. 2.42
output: 4.43
